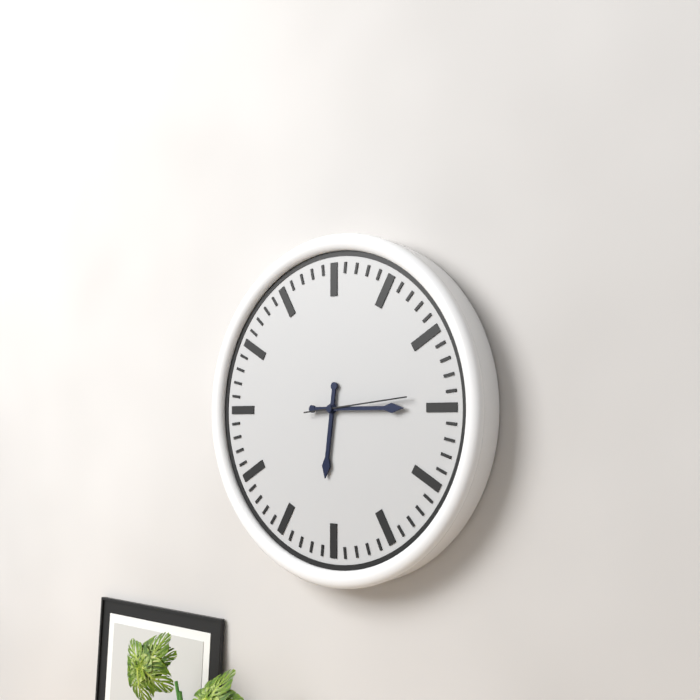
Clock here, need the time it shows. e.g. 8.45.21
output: 6.15.14
